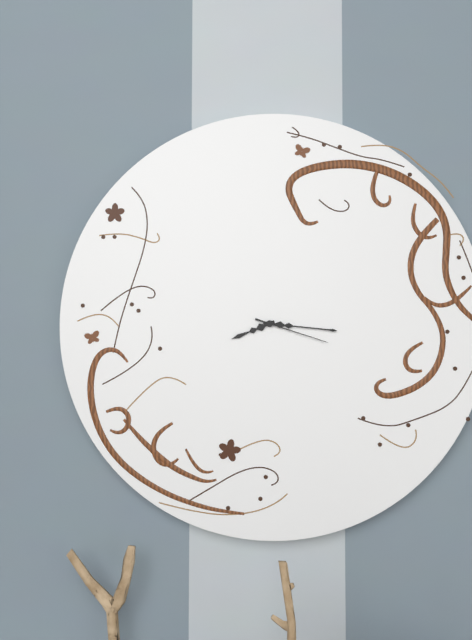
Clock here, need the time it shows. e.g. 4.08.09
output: 8.16.18
